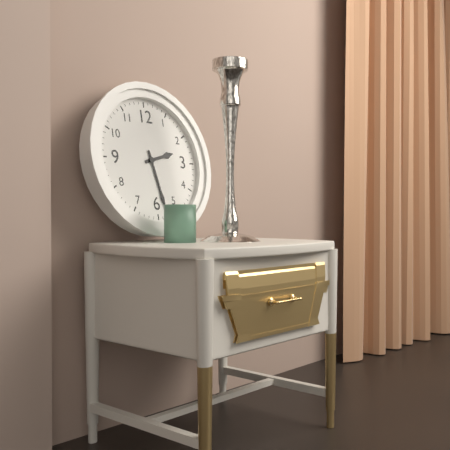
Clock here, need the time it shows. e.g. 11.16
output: 2.28
